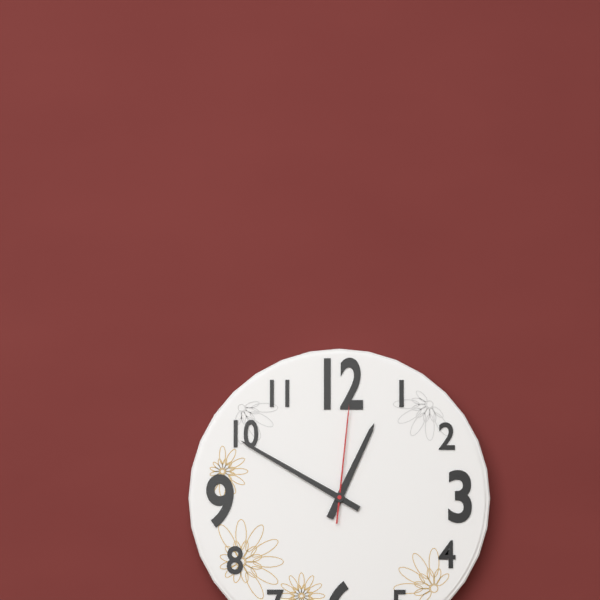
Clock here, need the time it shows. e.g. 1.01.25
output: 12.50.01
